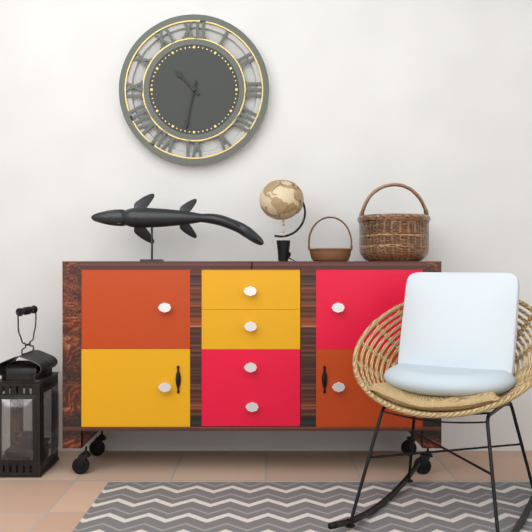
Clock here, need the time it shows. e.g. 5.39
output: 10.32
